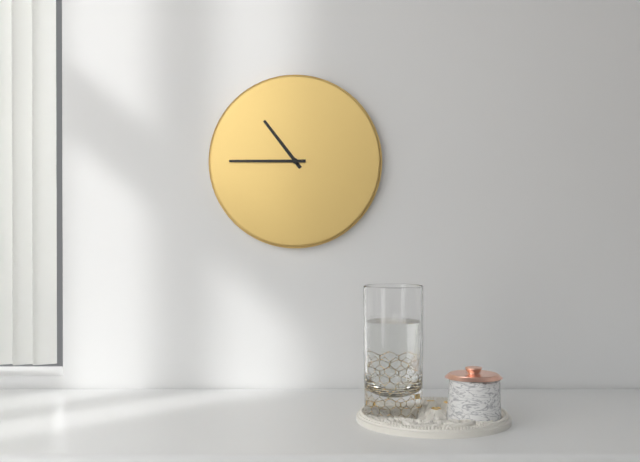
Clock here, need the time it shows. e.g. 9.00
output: 10.45
